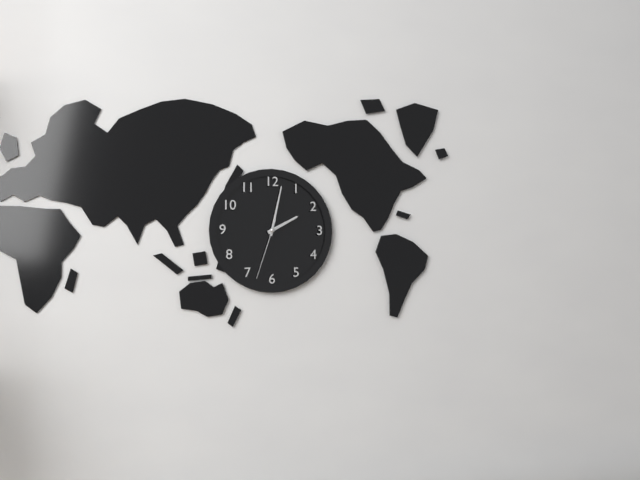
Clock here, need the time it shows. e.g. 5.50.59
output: 2.02.33
